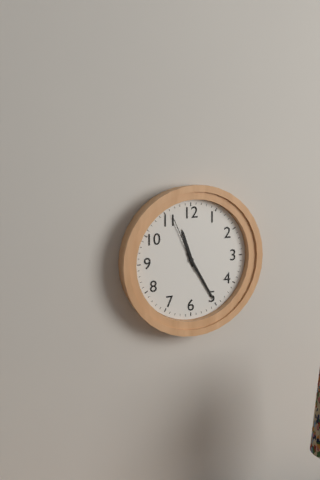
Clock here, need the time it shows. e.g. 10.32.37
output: 11.25.56
